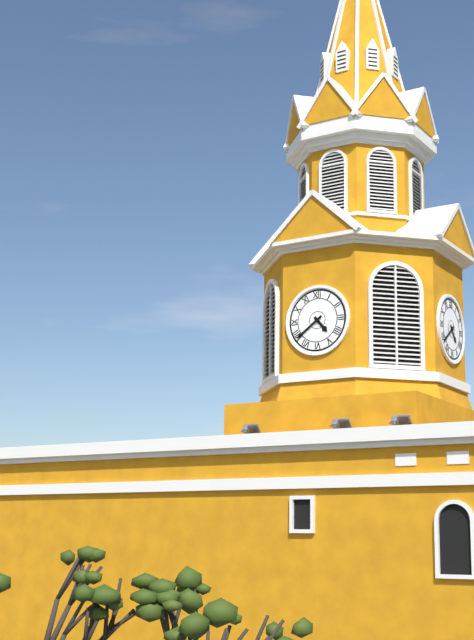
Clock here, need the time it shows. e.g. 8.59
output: 4.39
